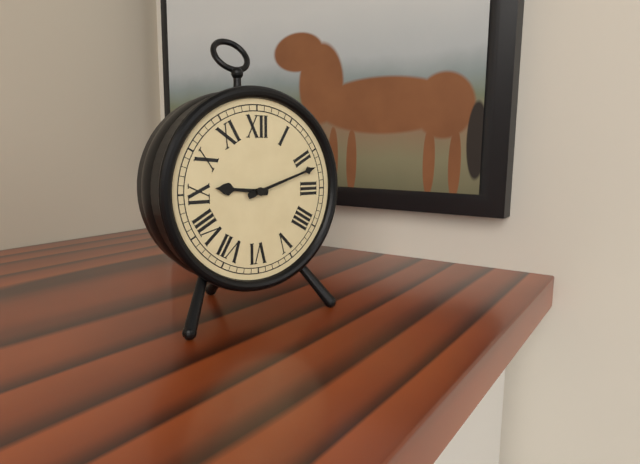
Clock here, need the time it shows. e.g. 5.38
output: 9.12
